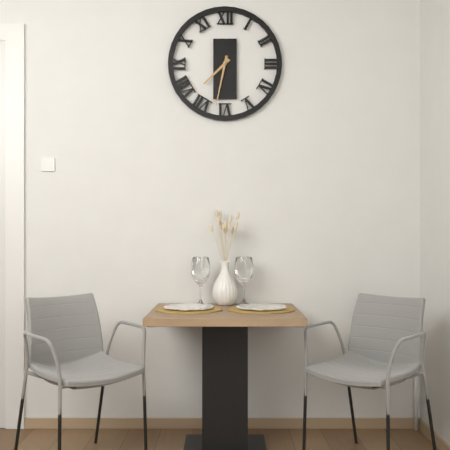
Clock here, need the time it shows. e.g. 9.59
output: 7.32
